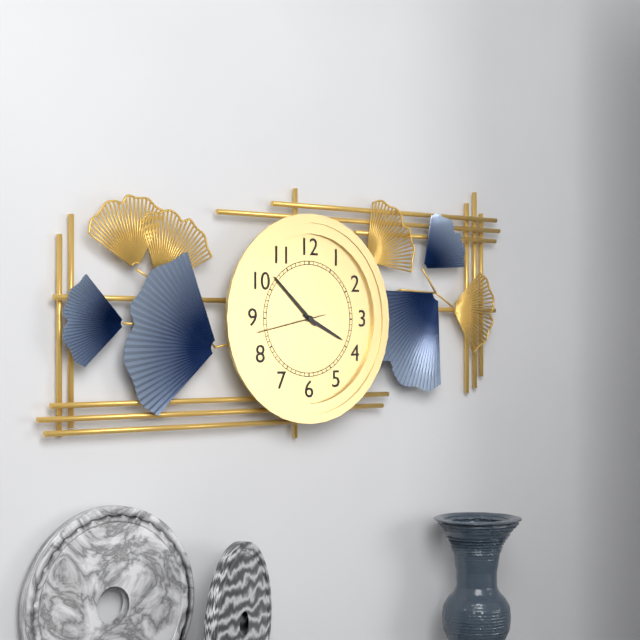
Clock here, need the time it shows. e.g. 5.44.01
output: 3.52.43
